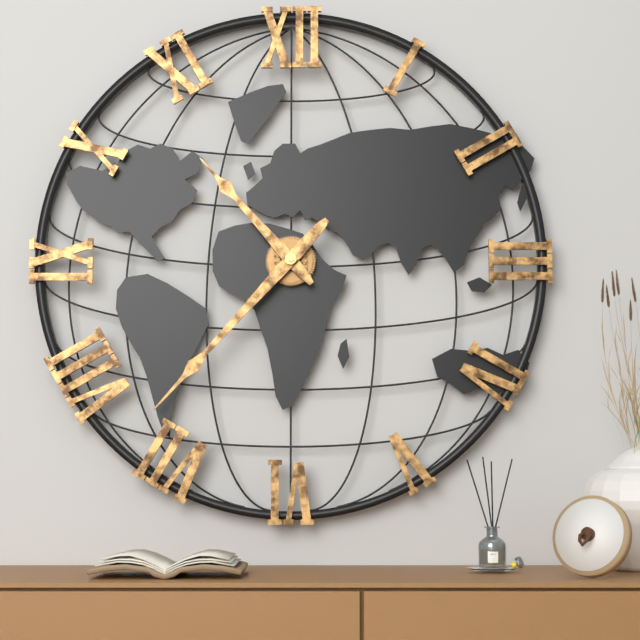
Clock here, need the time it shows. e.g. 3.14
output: 10.37
